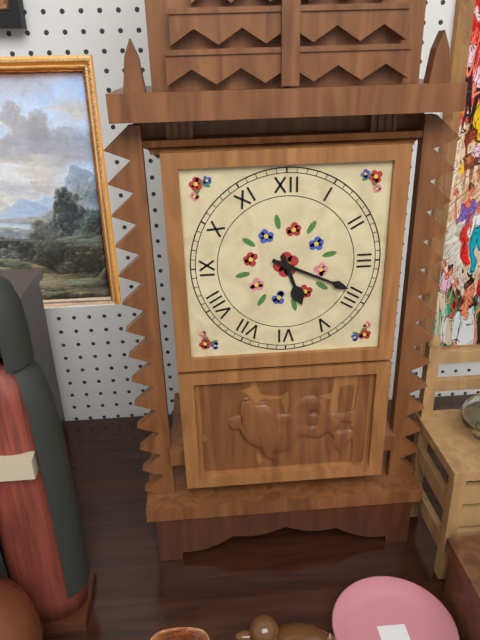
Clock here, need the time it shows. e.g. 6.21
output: 5.19
